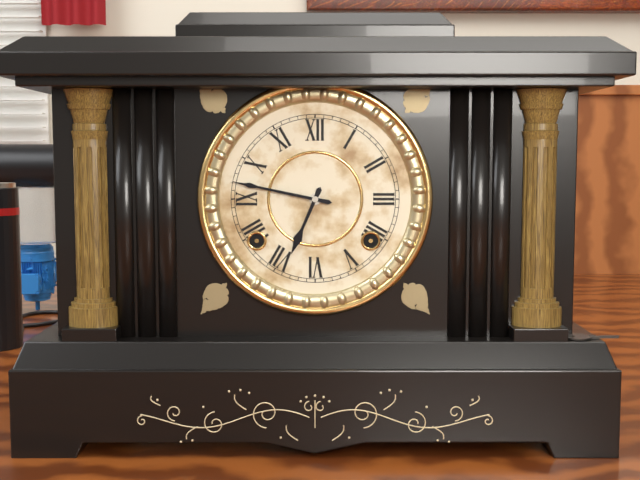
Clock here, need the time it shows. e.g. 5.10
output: 6.47
